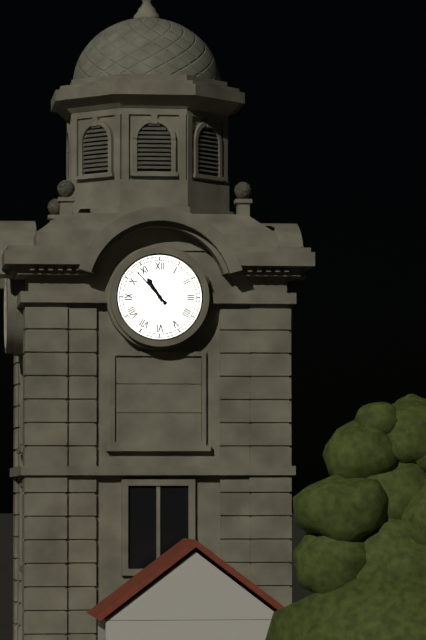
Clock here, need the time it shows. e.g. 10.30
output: 10.53
